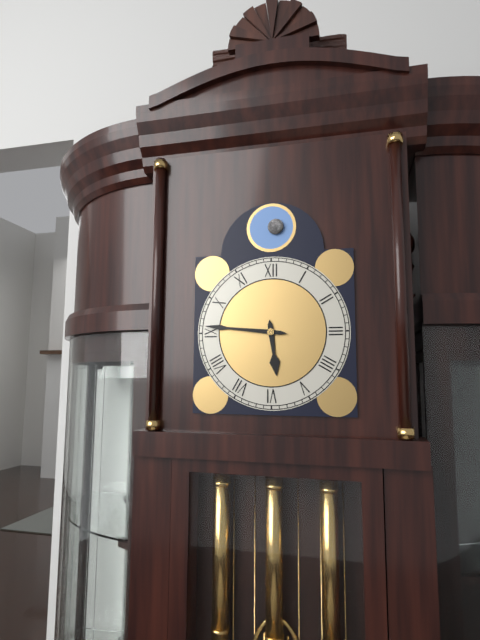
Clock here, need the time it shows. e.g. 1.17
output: 5.46
